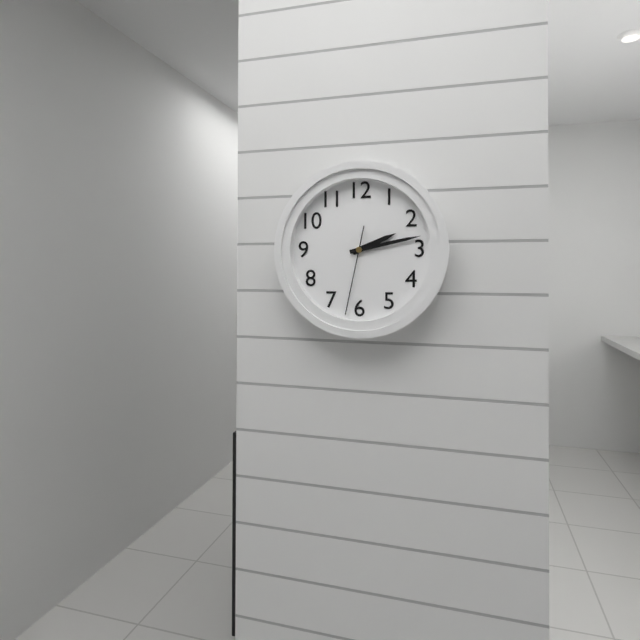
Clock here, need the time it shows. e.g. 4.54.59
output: 2.13.32
